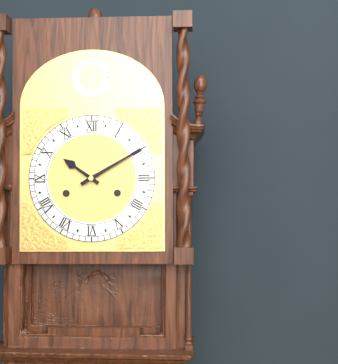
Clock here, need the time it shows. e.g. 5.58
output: 10.10
